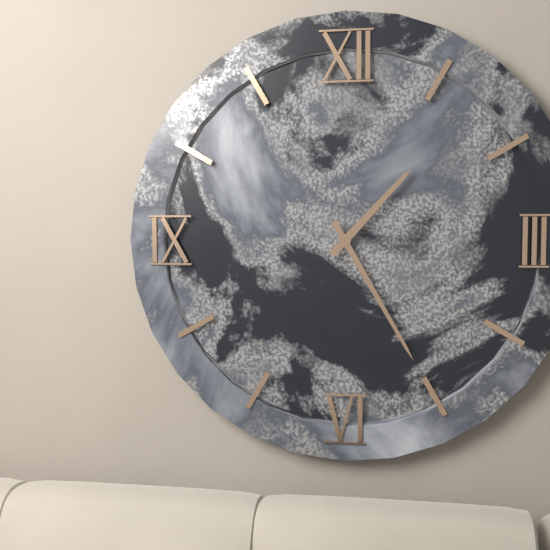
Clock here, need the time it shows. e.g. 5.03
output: 1.25
